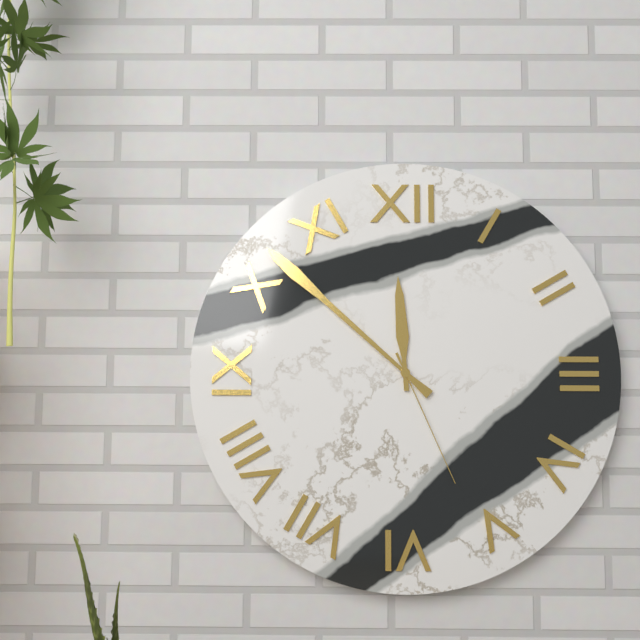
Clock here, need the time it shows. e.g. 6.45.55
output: 11.52.26
